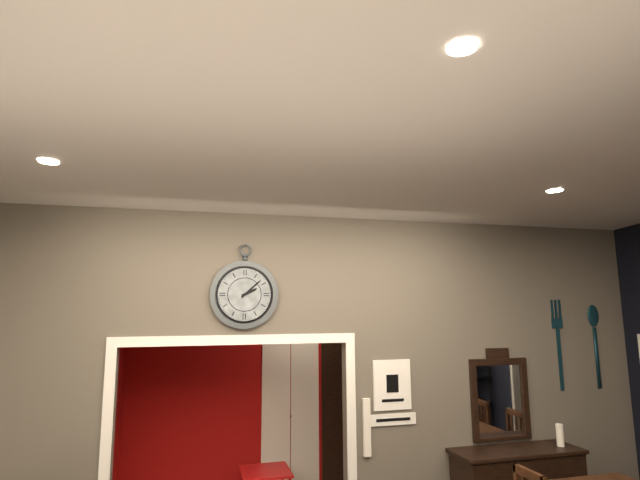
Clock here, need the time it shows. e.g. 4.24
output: 2.08
